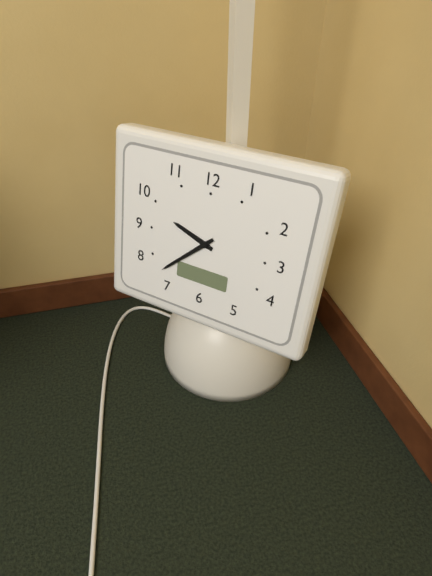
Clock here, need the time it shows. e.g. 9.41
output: 9.38
